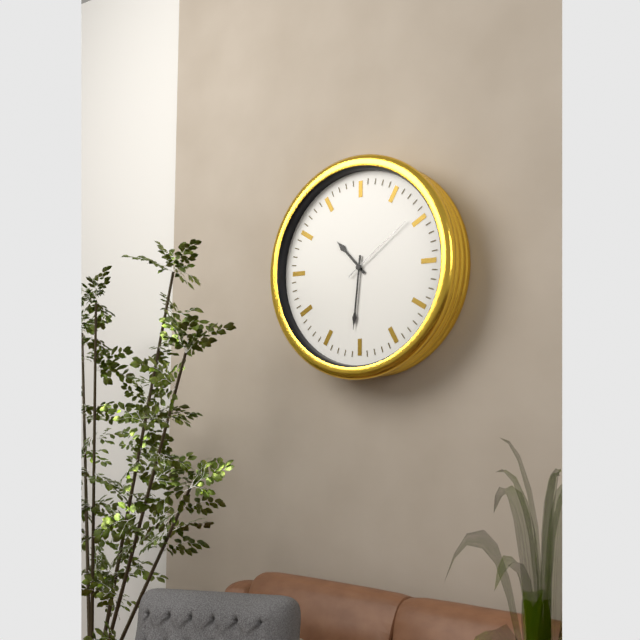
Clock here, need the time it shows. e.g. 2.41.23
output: 10.31.09
